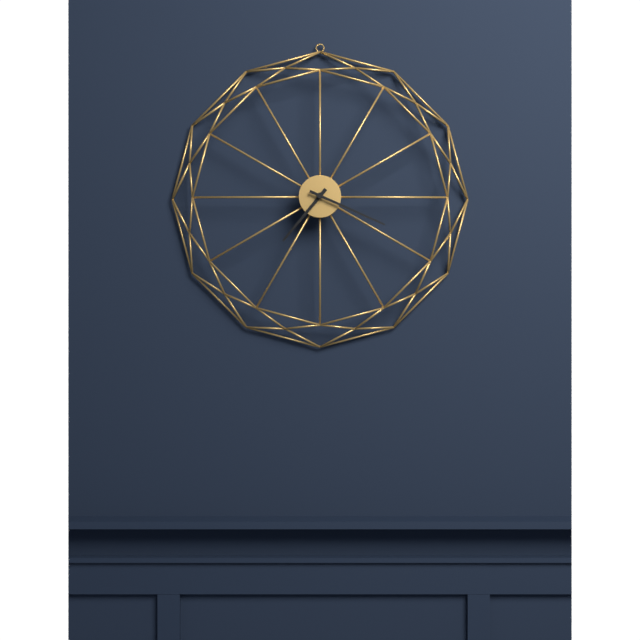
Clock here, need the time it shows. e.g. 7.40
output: 7.19
